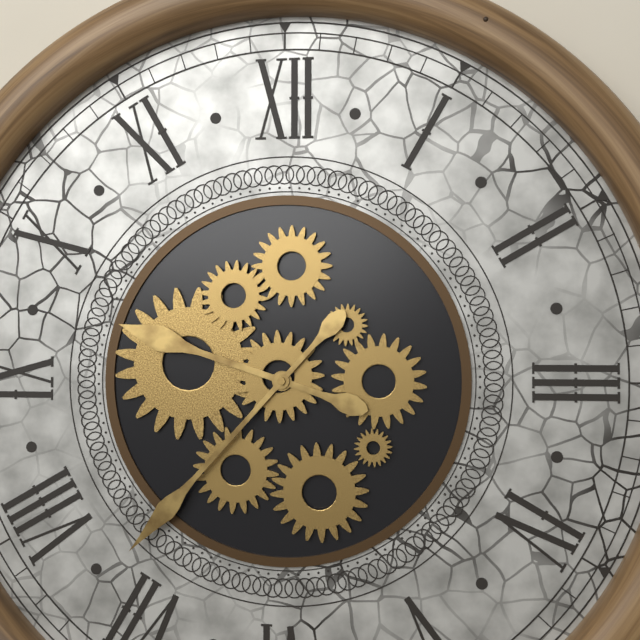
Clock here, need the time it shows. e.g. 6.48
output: 9.37
